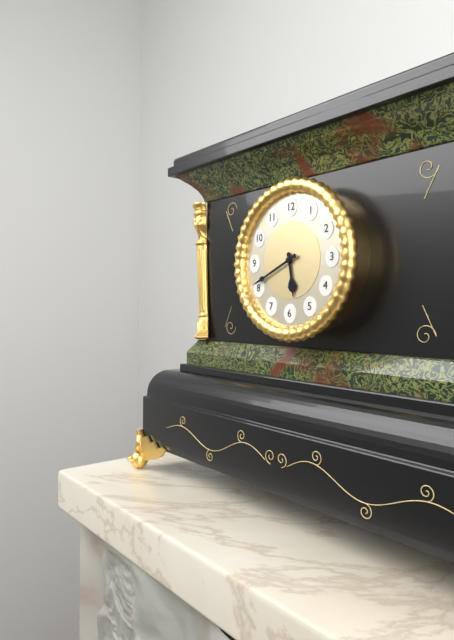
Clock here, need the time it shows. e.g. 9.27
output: 5.41
